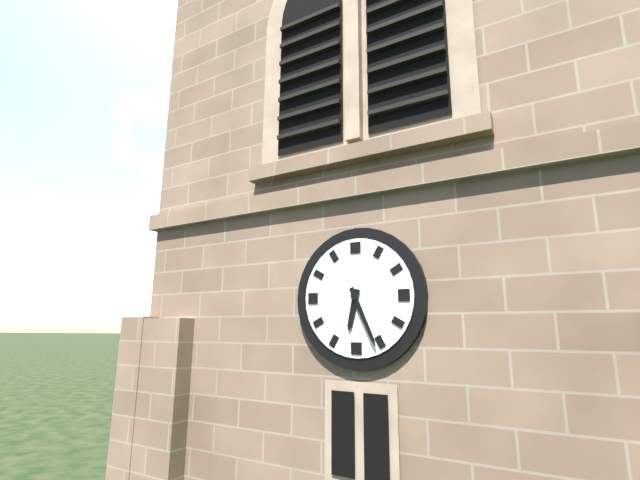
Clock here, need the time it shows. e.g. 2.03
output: 6.26
